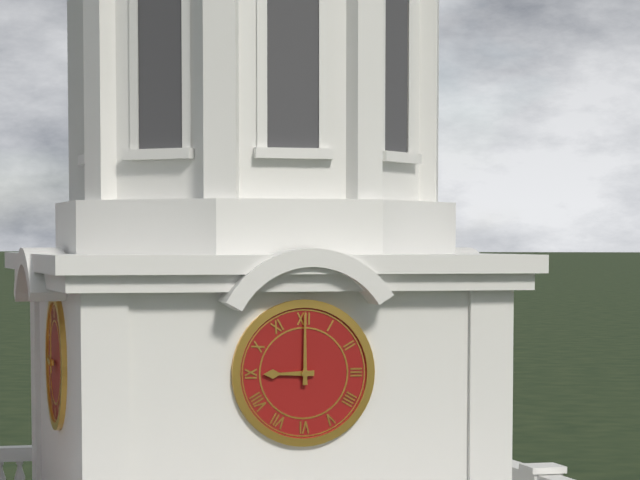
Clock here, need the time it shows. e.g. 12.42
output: 9.00
